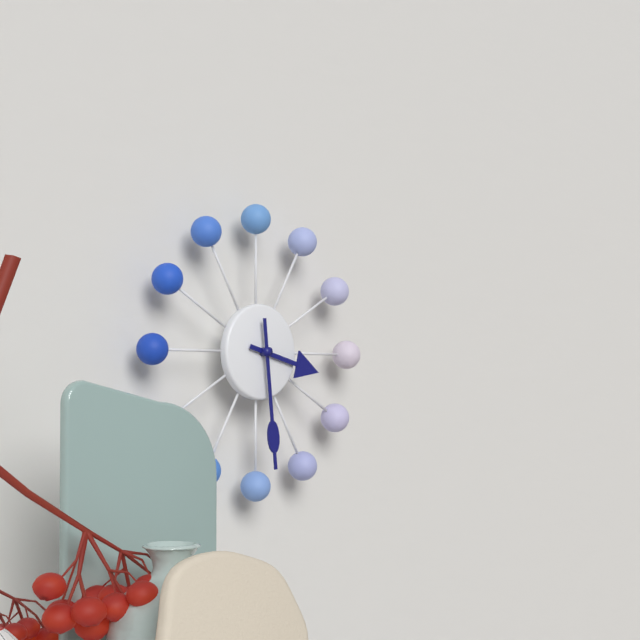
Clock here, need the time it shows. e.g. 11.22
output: 3.29
